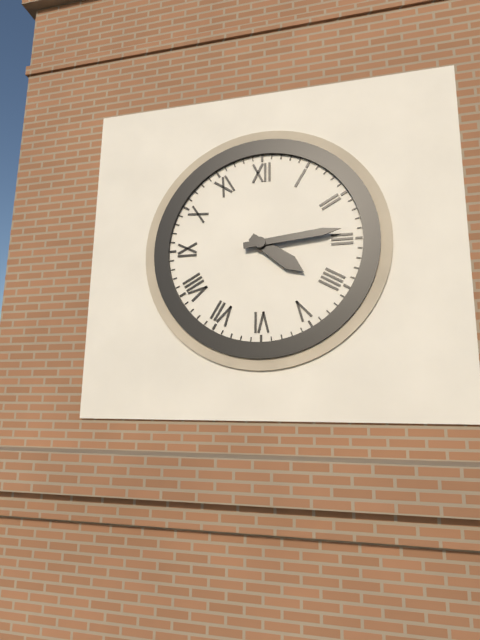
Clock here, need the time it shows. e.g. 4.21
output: 4.14
